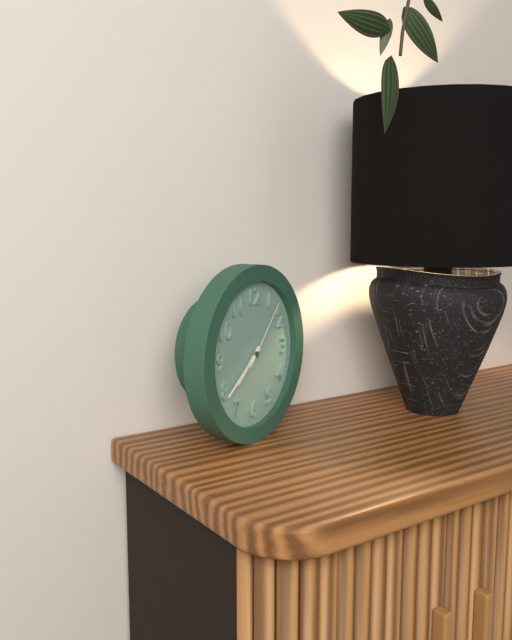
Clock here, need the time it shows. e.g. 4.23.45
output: 7.39.07
